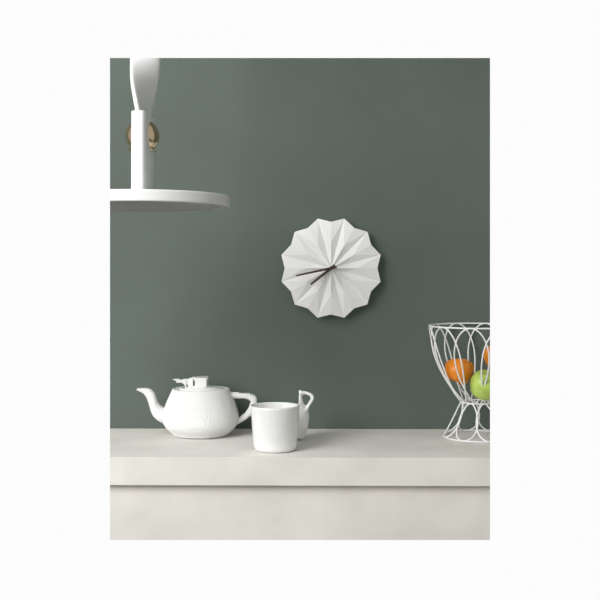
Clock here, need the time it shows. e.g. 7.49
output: 7.43
